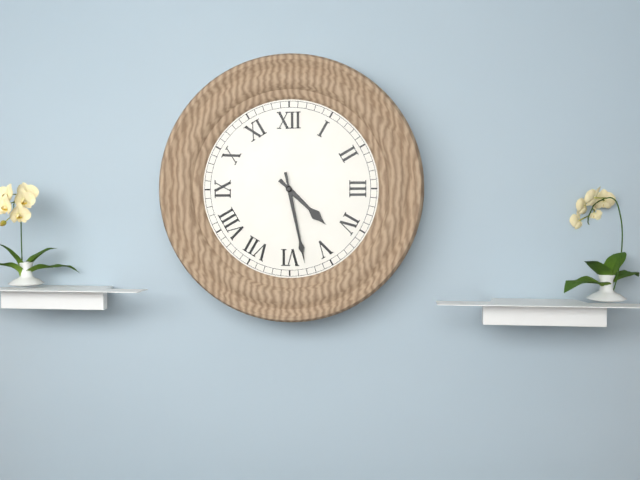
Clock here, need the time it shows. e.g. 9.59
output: 4.28
